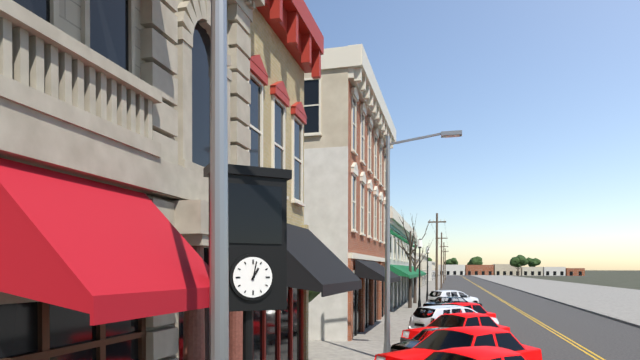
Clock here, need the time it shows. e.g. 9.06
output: 1.02
